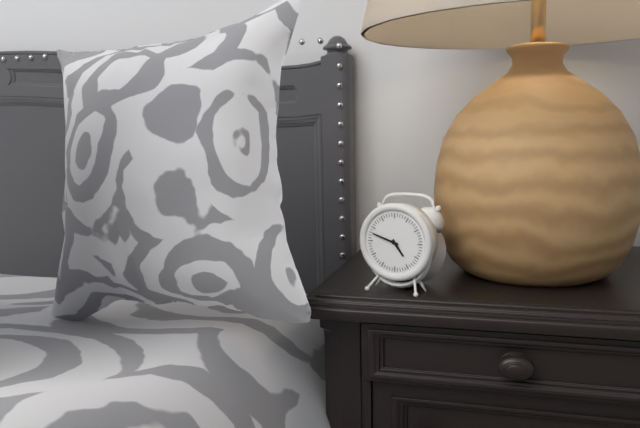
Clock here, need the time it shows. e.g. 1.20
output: 4.48
